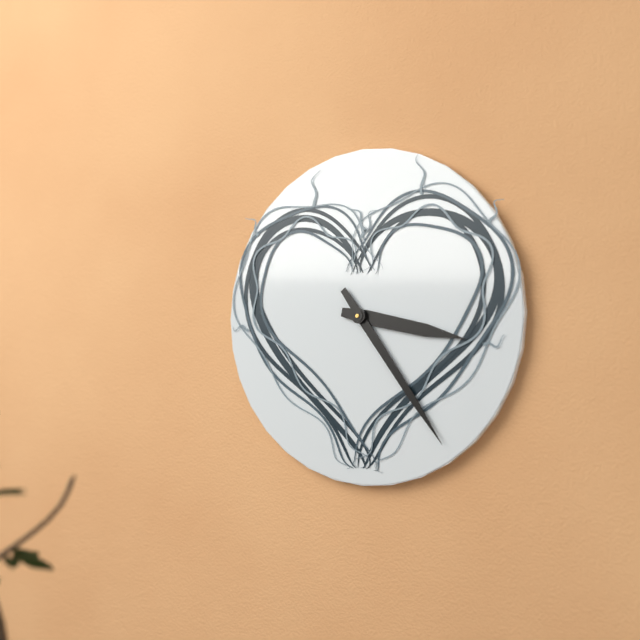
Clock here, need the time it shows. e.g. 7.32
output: 3.24
